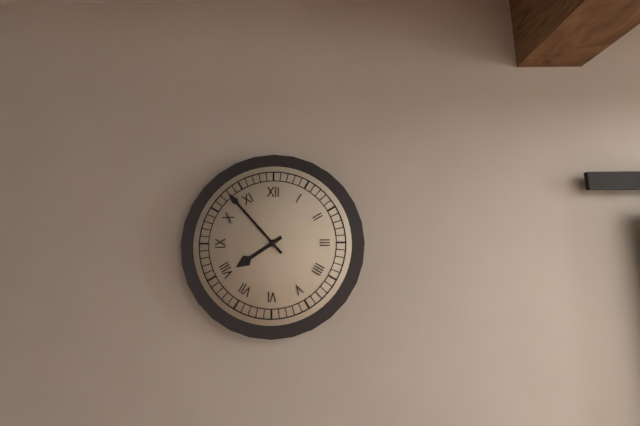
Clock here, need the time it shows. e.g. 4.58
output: 7.53
